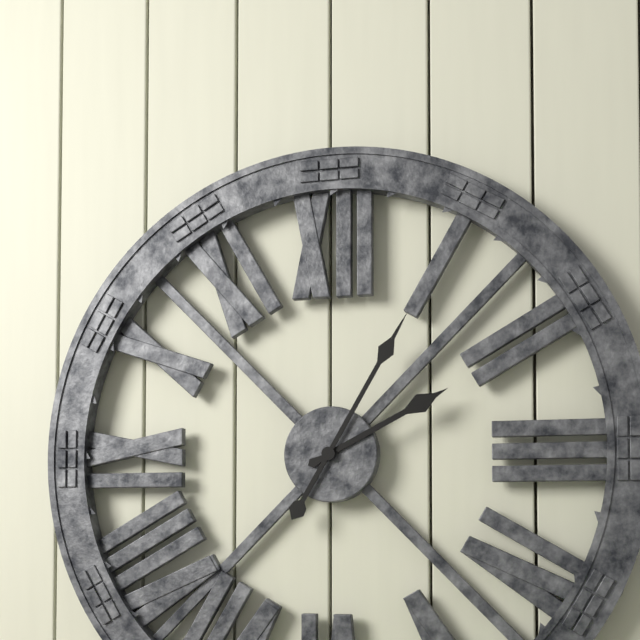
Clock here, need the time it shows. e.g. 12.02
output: 2.05
